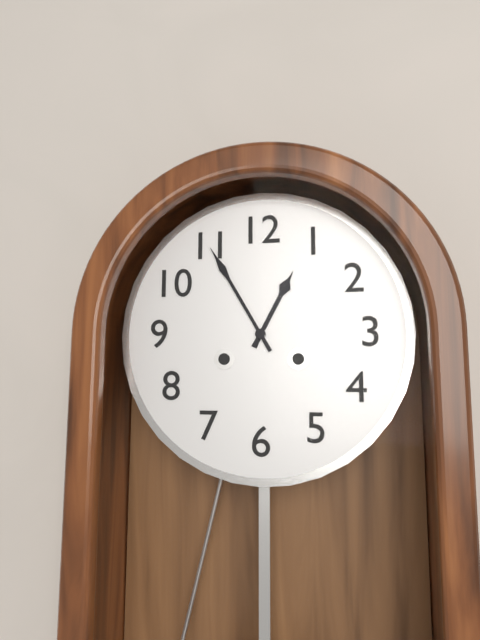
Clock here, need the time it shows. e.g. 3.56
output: 12.55
